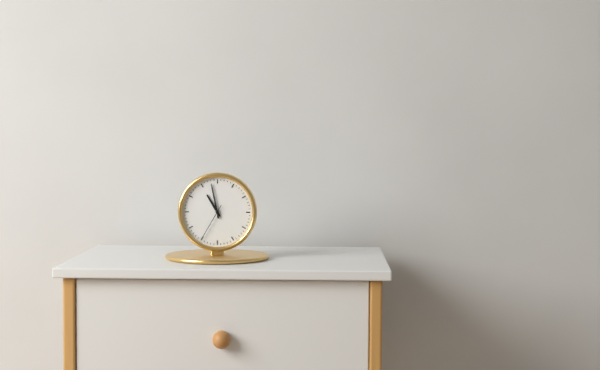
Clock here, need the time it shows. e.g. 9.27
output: 10.58
